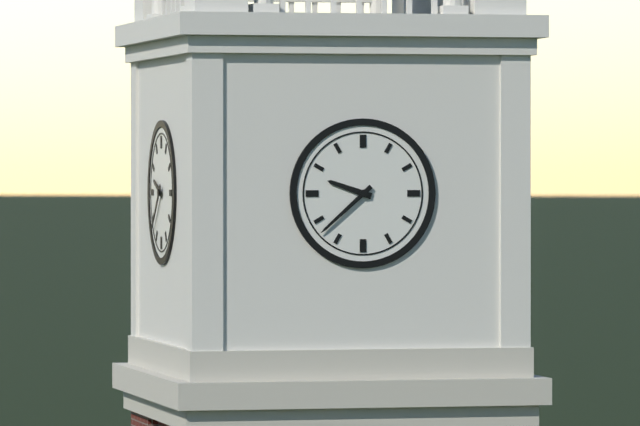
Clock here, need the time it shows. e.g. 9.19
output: 9.38
